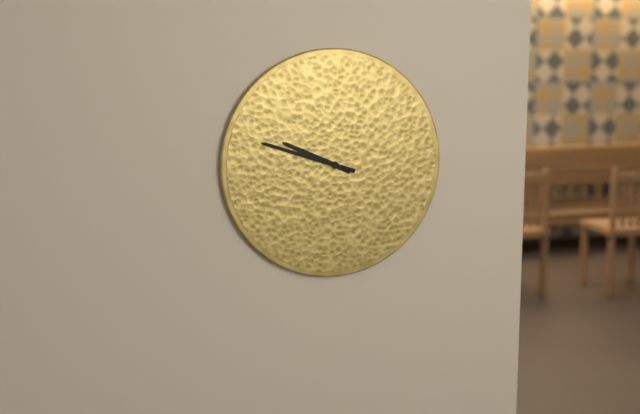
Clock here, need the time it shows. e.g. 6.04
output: 9.48
